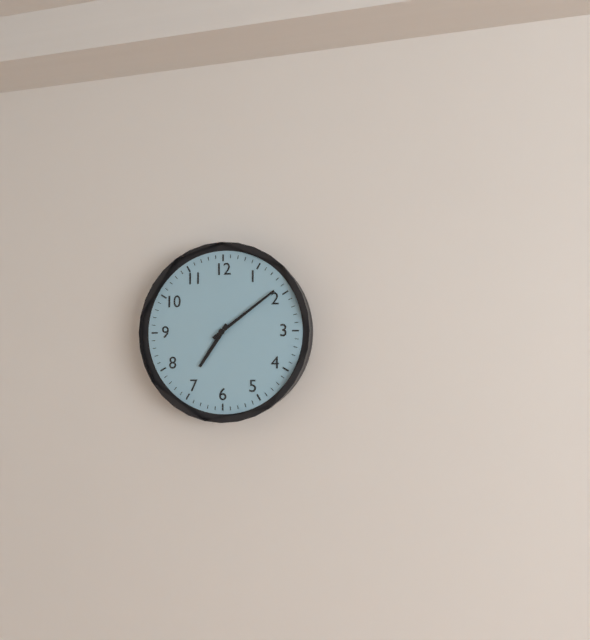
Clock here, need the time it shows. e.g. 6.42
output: 7.09
